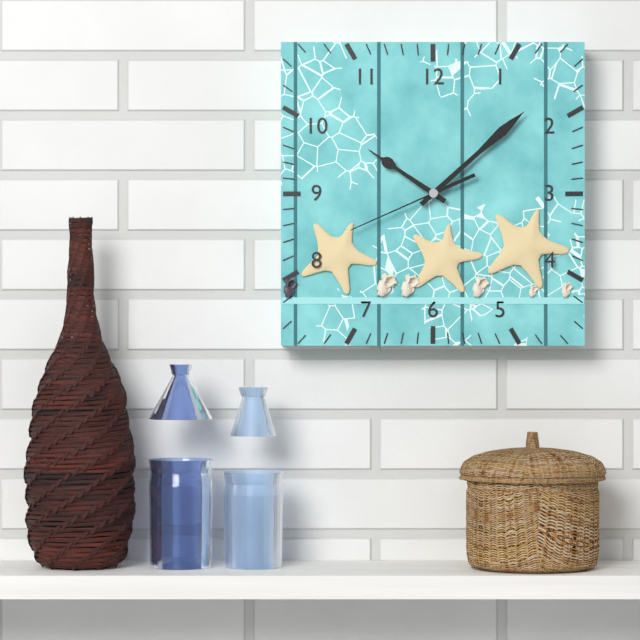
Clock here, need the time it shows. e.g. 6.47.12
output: 10.08.41
